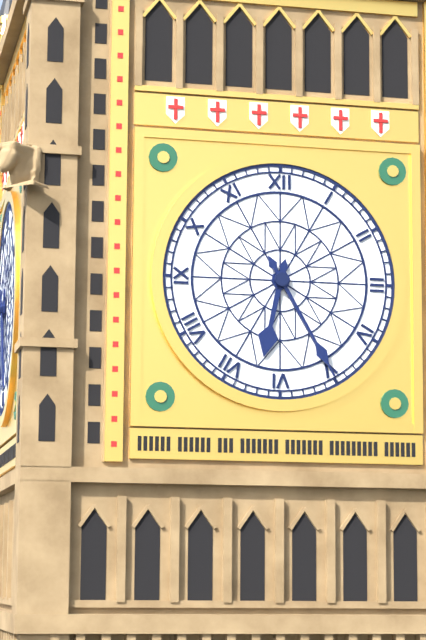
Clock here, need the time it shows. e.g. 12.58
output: 6.25
